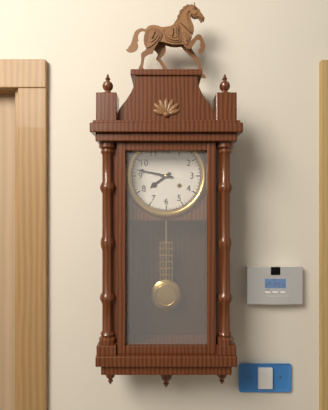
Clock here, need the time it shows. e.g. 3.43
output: 7.47
